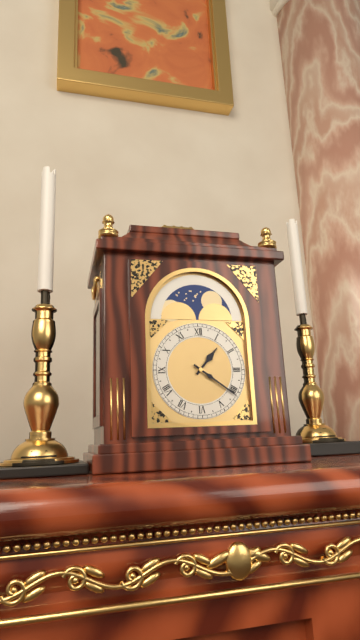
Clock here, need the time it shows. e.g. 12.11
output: 1.21
